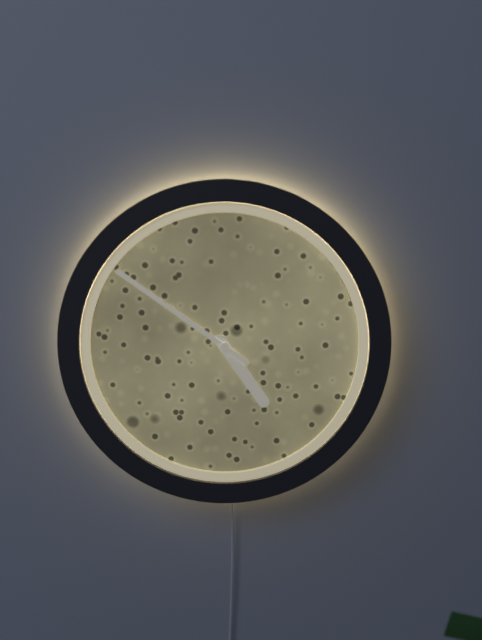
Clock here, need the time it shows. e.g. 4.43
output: 4.51
